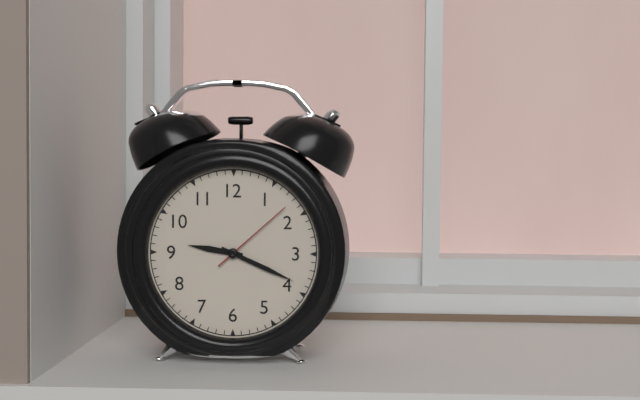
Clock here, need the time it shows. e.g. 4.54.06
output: 9.19.08
